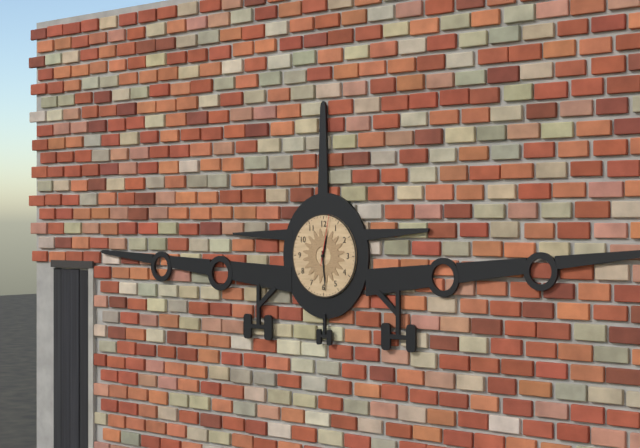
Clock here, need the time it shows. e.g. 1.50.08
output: 12.29.02
